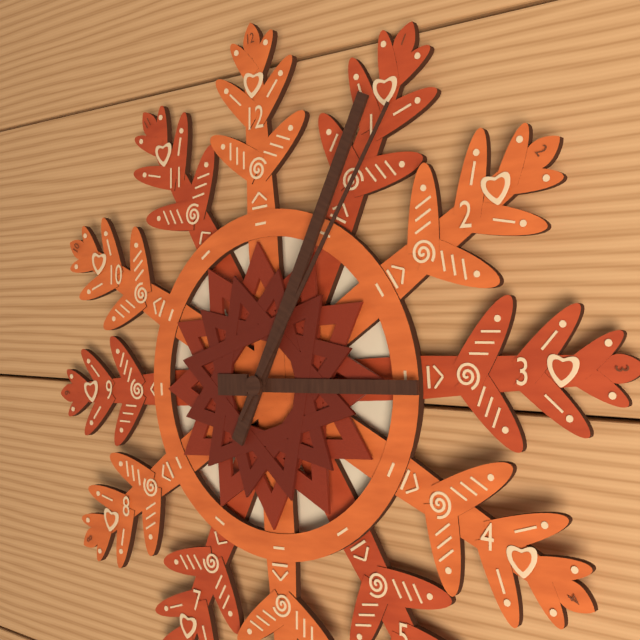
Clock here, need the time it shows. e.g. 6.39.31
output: 3.05.06
